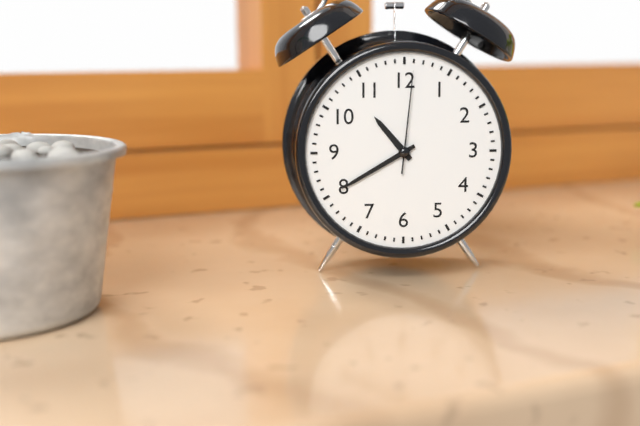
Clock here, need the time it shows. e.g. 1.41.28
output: 10.40.01
